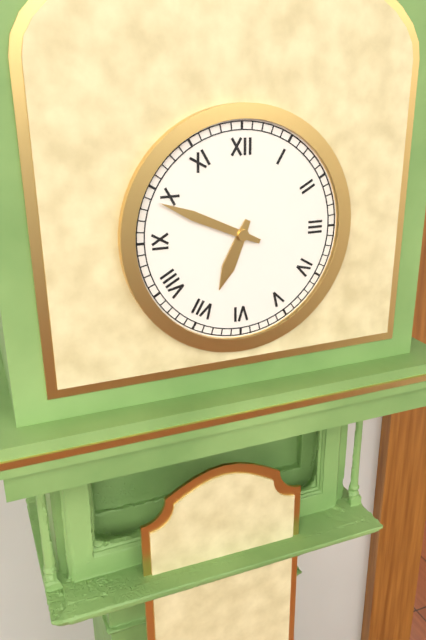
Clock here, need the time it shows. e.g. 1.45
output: 6.49
